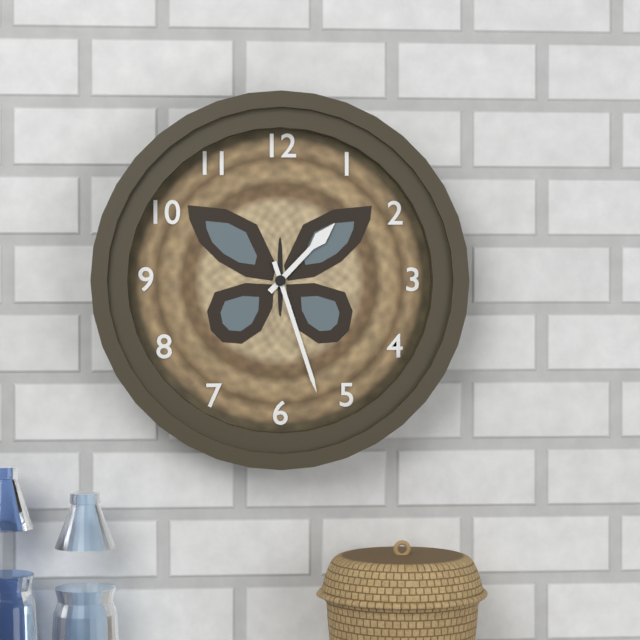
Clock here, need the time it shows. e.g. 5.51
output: 1.27
